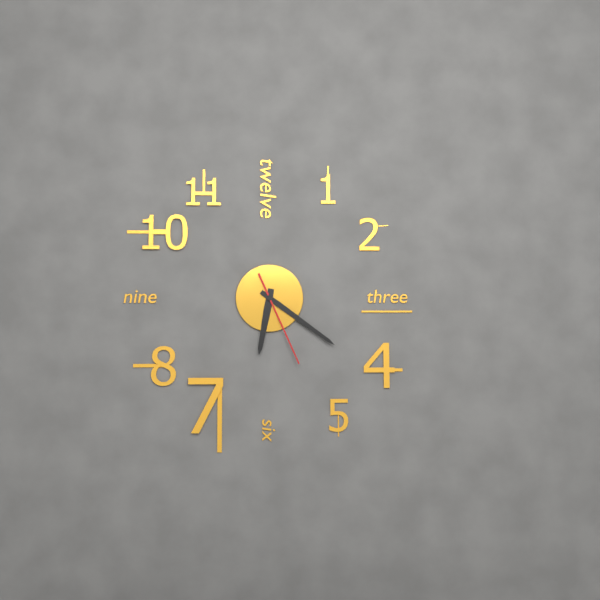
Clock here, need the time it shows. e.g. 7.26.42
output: 6.21.26
